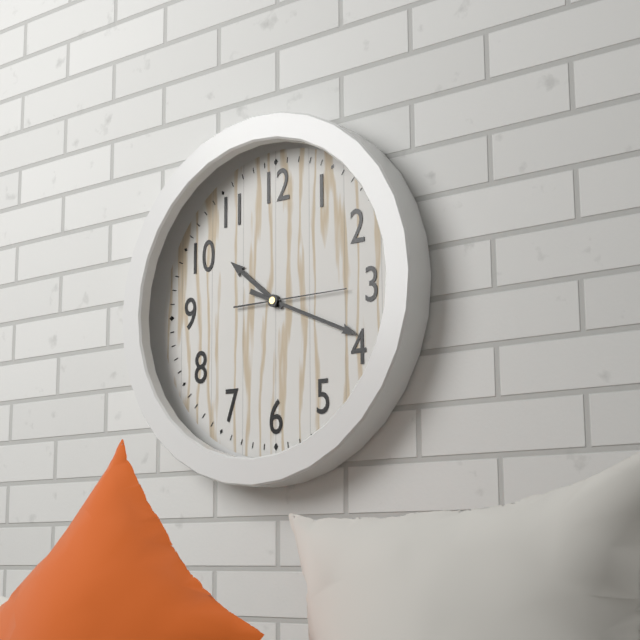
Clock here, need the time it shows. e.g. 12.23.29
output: 10.19.15
